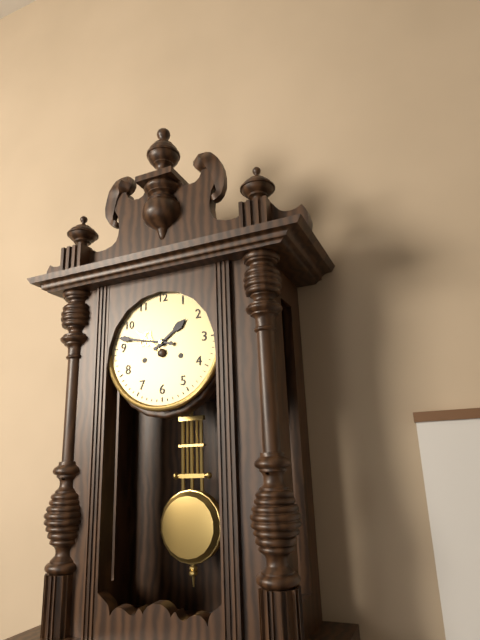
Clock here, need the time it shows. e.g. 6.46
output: 1.47
